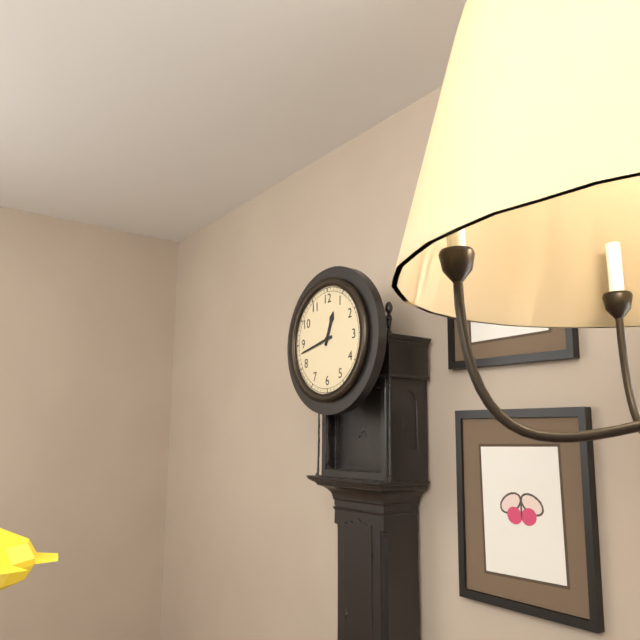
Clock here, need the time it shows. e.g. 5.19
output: 12.43
